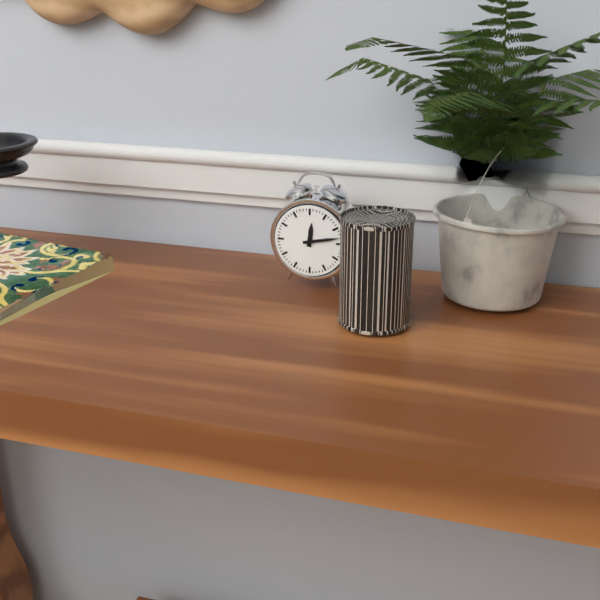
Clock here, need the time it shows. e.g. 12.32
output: 12.13
